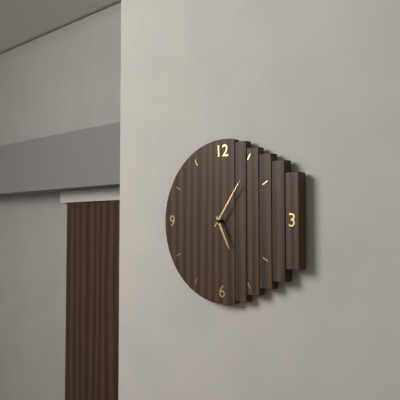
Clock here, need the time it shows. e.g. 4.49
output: 5.06
